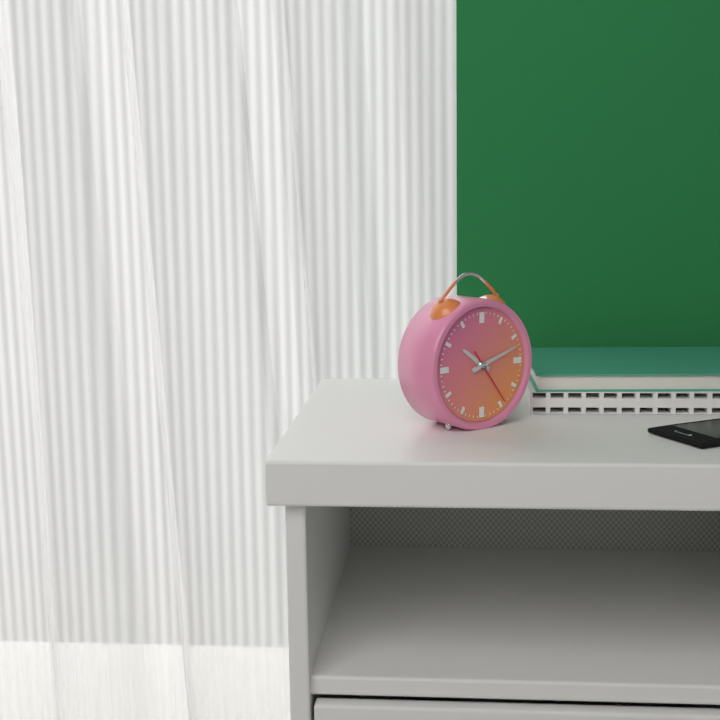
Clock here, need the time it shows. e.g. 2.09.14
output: 10.12.24
